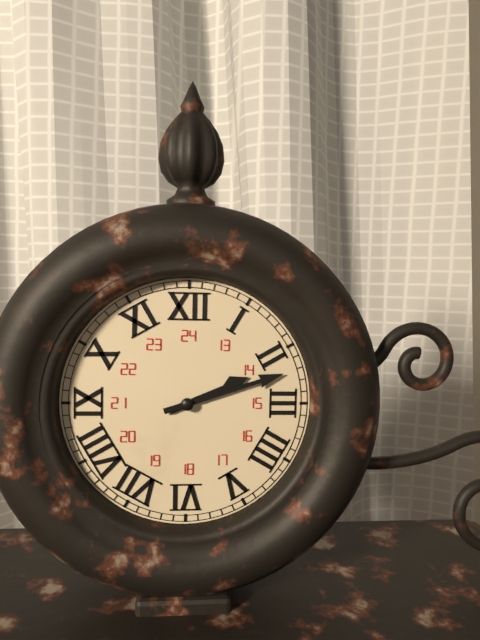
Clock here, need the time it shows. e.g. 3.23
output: 2.12
